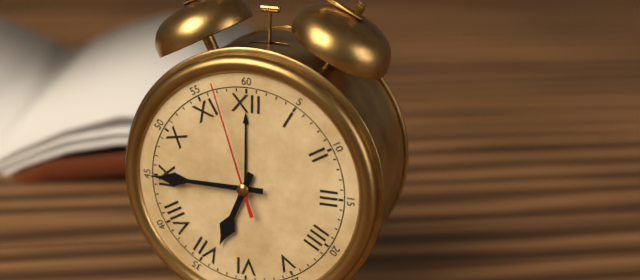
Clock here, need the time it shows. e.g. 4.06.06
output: 6.45.57
